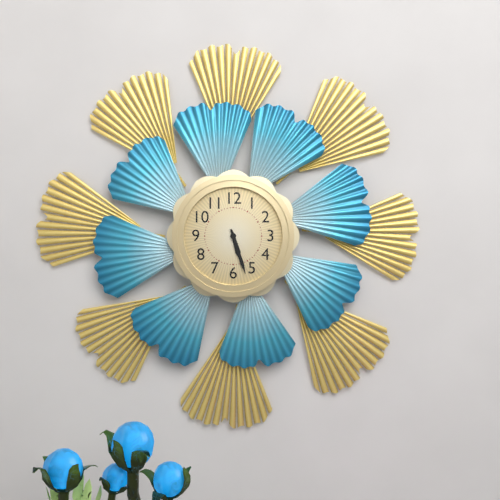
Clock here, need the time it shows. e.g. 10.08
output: 5.27
